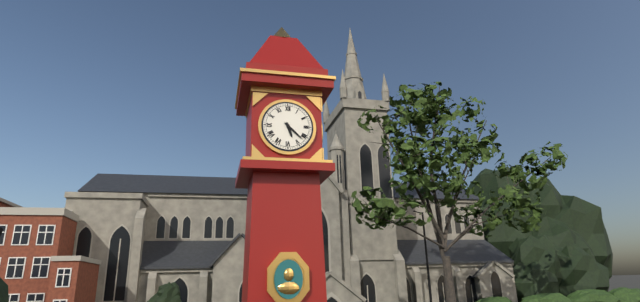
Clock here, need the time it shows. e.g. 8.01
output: 5.22
